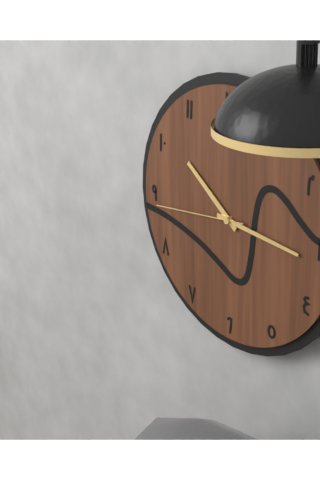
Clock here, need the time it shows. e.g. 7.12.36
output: 10.16.44
